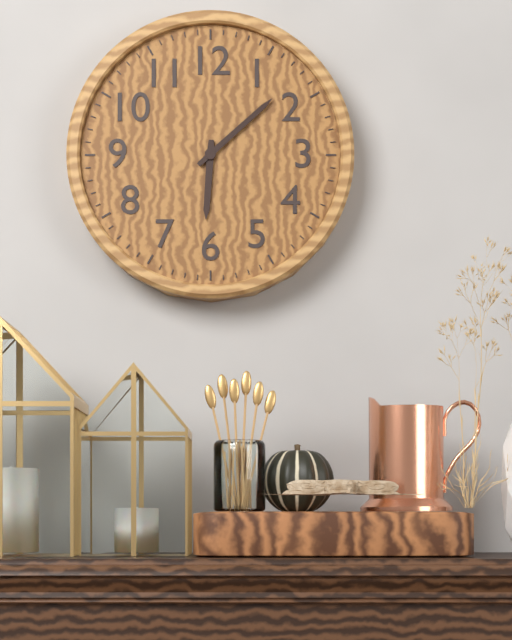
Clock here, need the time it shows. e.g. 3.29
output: 6.08
